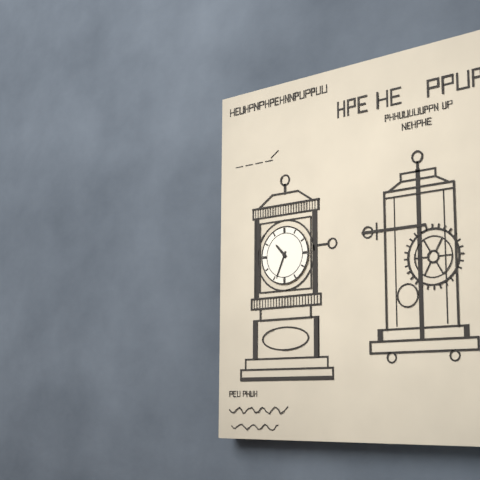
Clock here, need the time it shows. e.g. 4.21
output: 10.34
